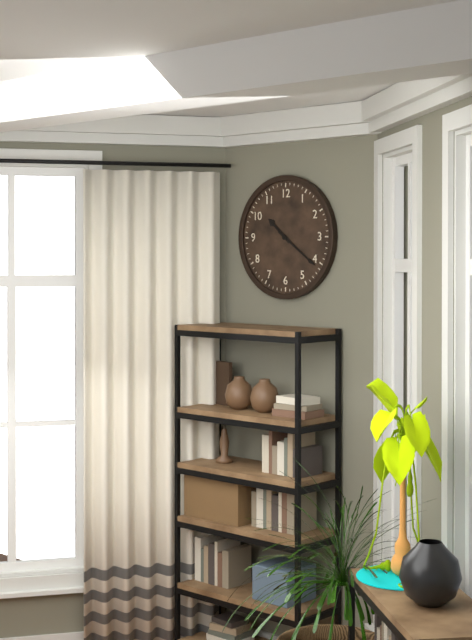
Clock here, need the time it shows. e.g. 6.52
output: 10.21
